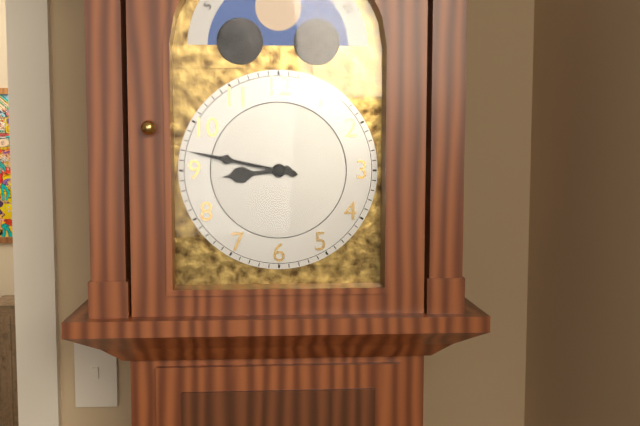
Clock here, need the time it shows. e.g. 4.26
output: 8.47
